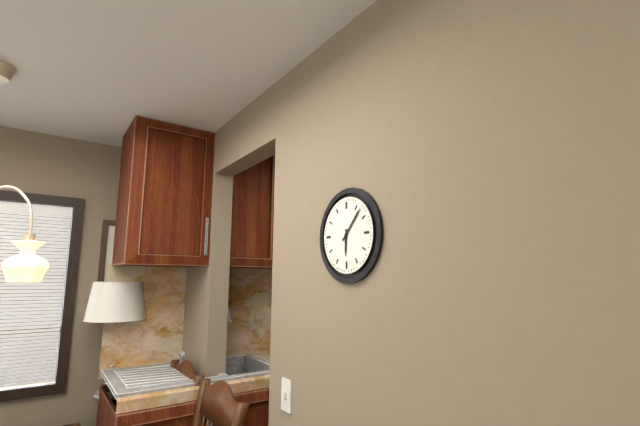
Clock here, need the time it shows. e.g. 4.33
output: 6.07
